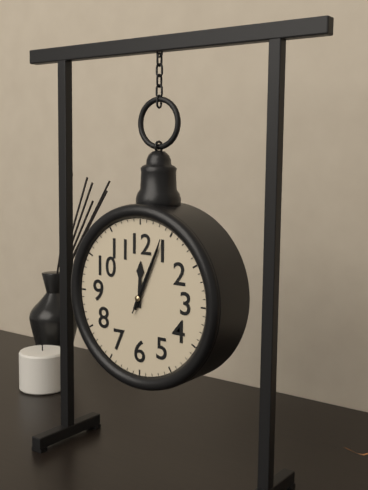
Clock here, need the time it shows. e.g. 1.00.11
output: 12.04.04
